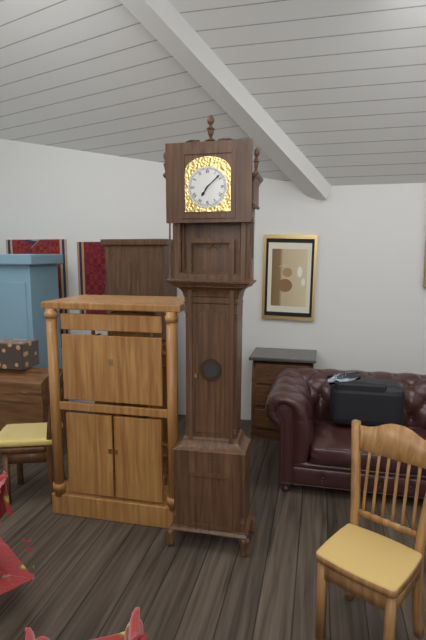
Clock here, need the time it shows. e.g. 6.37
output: 7.08
